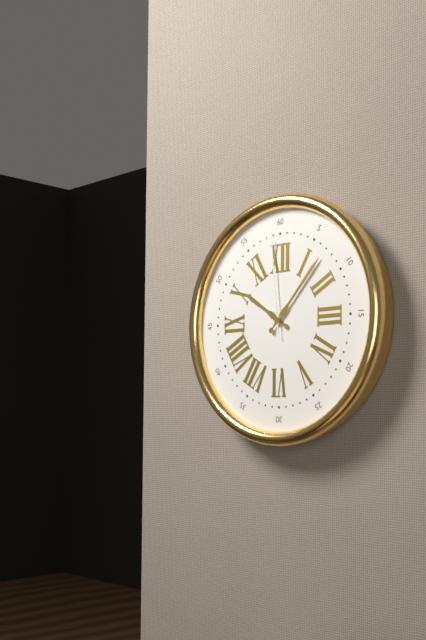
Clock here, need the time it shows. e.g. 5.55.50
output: 10.07.59
